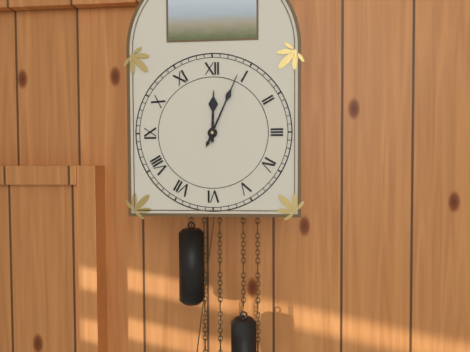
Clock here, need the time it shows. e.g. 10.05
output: 12.04
